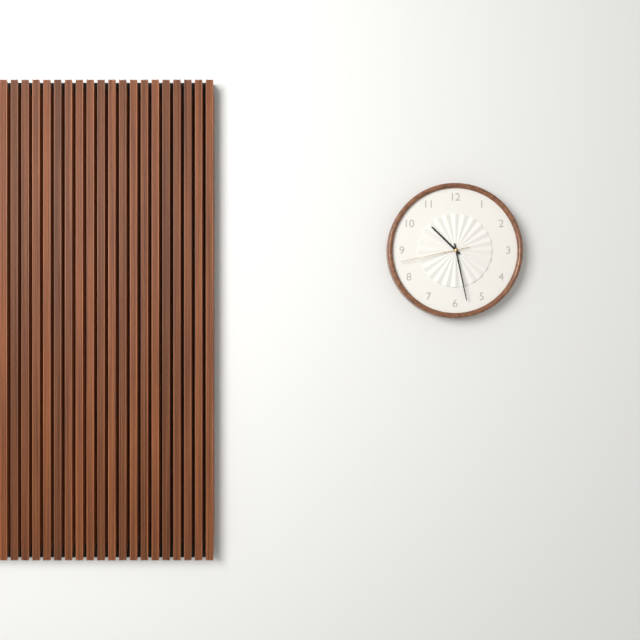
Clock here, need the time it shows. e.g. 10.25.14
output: 10.28.43
